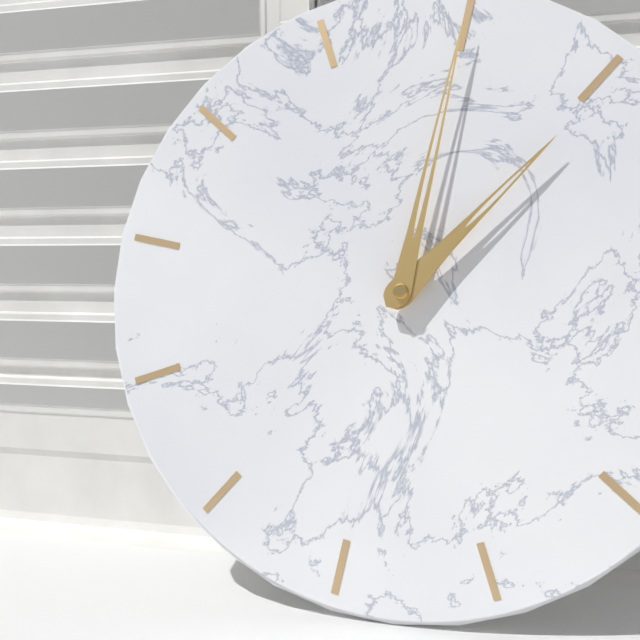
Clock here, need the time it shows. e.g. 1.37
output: 2.05
